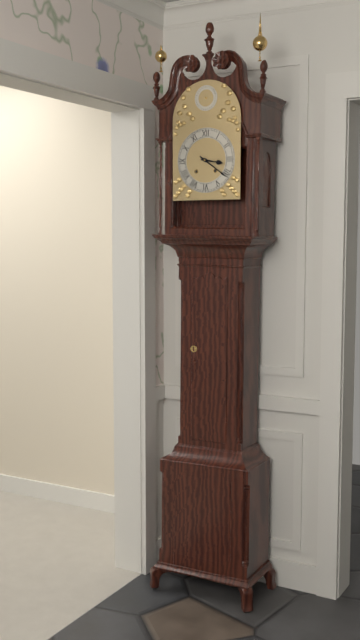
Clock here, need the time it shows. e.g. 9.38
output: 3.21
